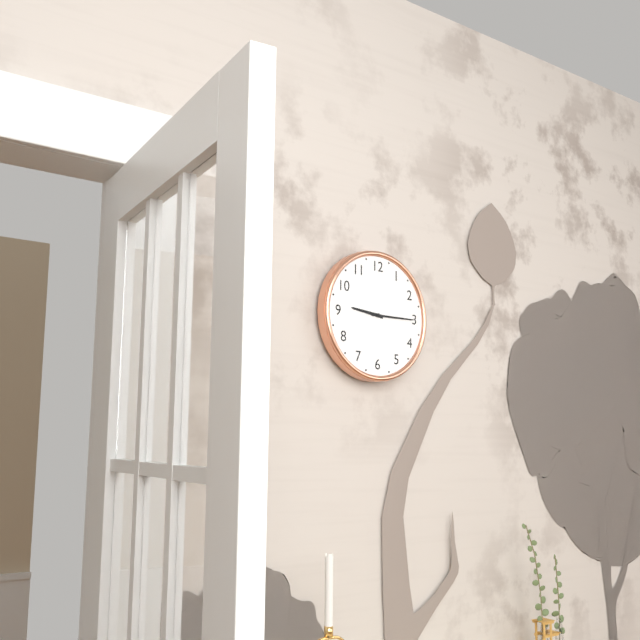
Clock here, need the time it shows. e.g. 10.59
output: 9.15
